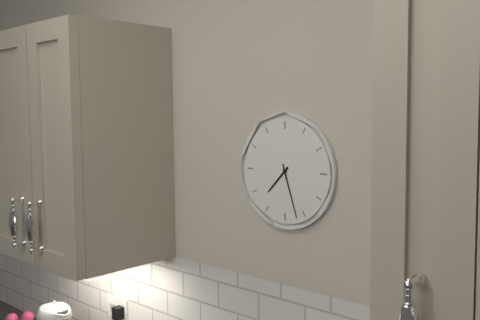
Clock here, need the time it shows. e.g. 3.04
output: 7.27
